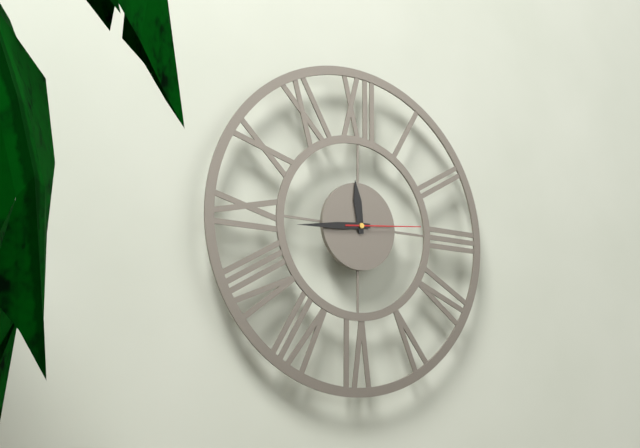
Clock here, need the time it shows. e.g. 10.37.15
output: 11.44.14
